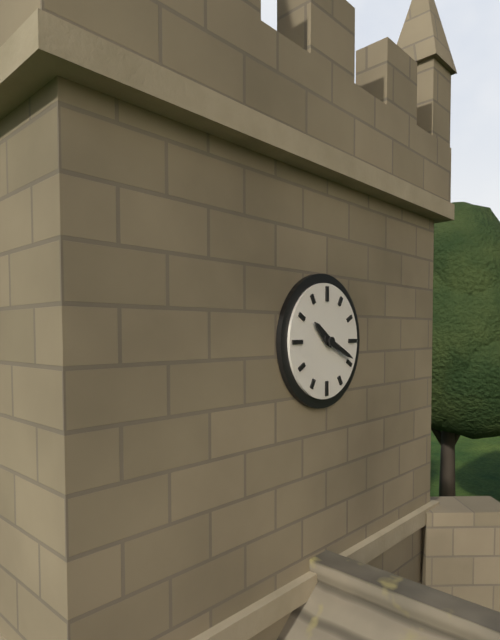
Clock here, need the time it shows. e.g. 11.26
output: 10.19
